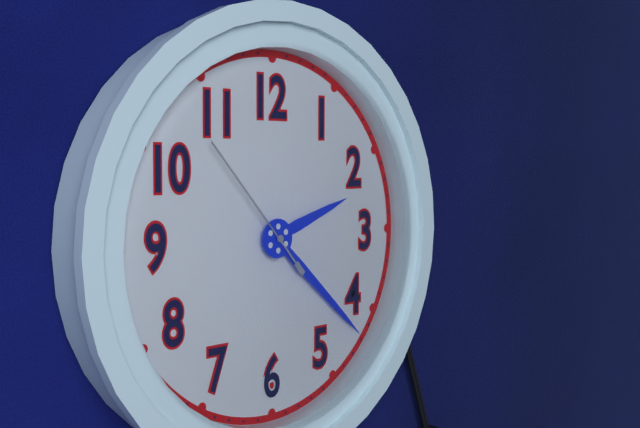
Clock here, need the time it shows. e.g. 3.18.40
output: 2.22.53
